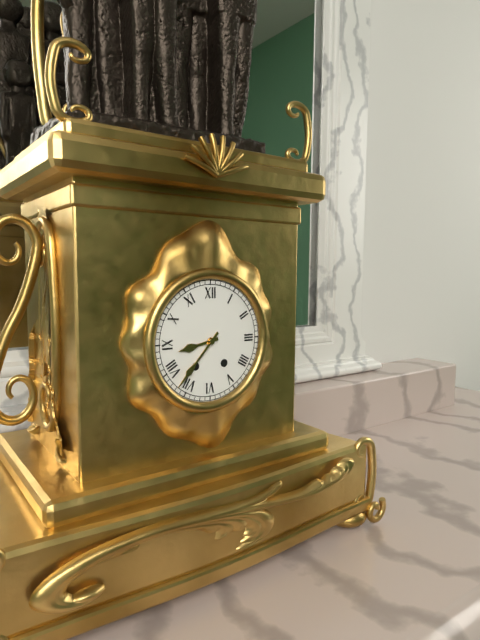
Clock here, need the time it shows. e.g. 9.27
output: 8.37
